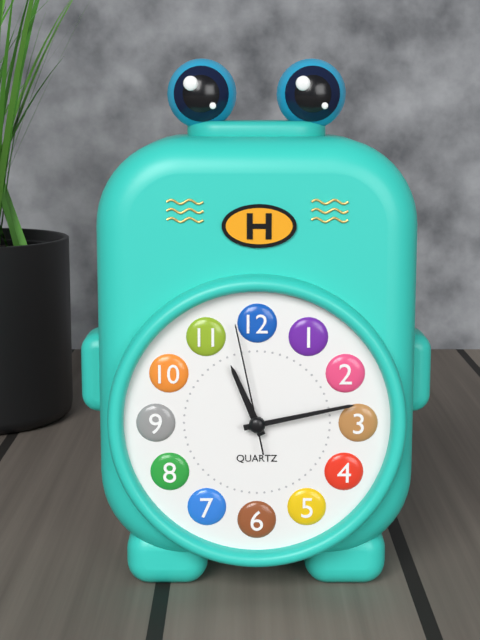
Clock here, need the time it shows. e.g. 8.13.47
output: 11.13.58
